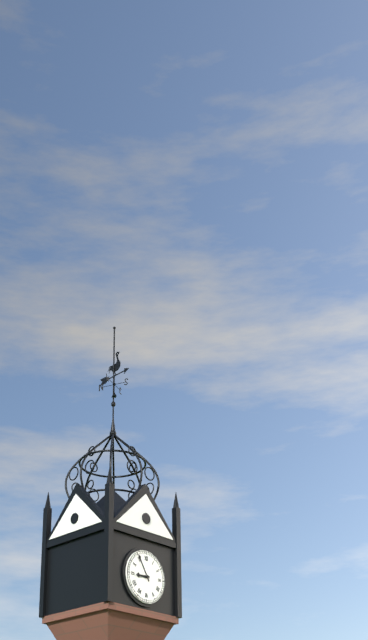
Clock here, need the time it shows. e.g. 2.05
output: 8.55
